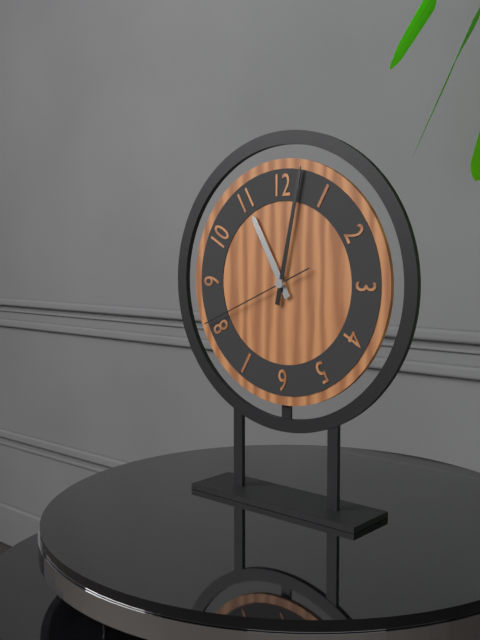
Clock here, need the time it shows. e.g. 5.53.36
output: 11.02.41
